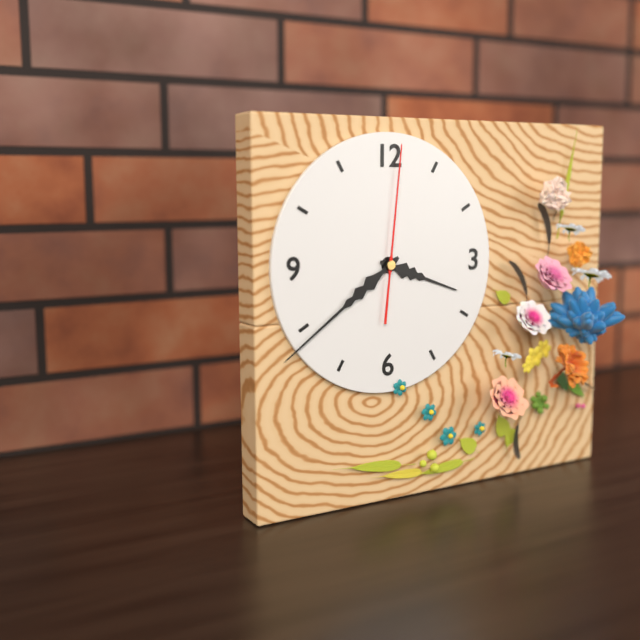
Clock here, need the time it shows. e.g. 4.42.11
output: 3.39.01
